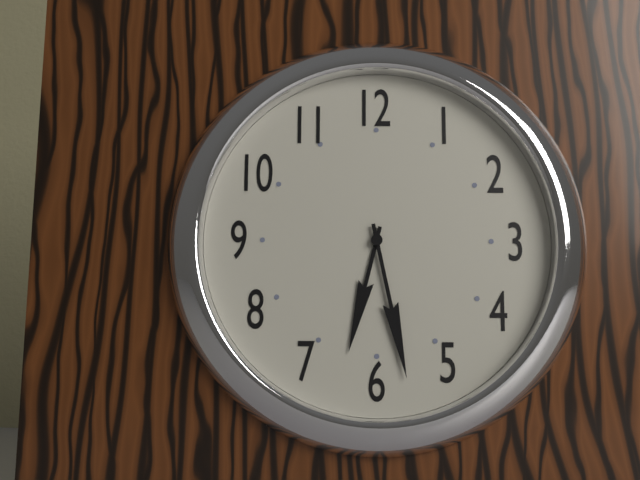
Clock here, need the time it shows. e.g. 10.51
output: 6.28
